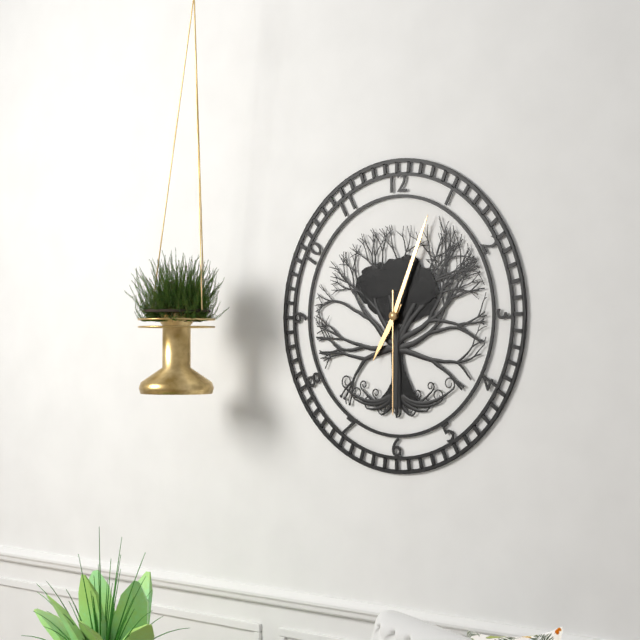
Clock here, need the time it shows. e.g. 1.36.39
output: 7.04.30
